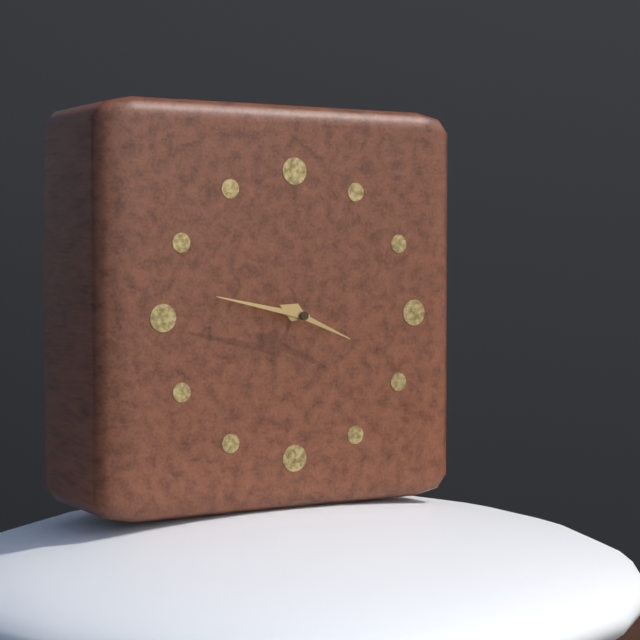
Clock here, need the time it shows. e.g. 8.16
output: 3.47
